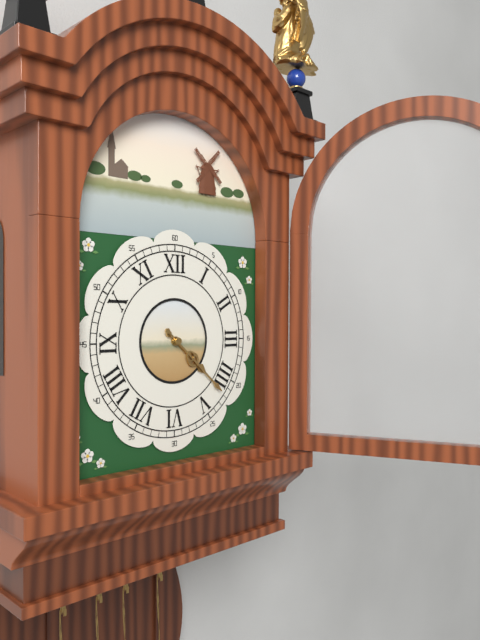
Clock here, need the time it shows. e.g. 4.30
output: 4.22
